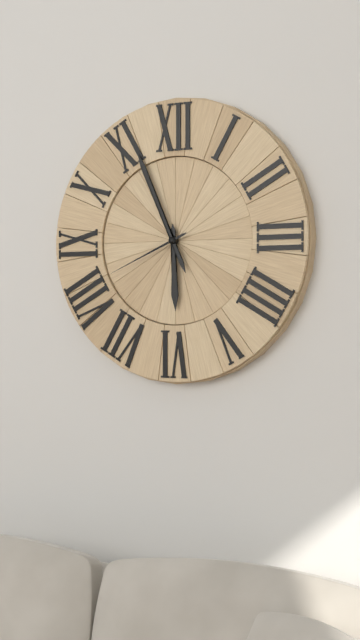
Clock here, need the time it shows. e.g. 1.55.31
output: 5.56.41
